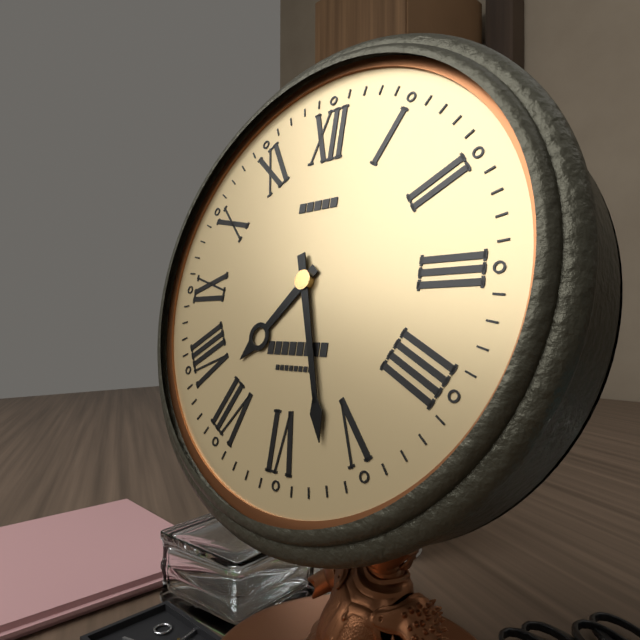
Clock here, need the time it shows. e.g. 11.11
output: 7.27
